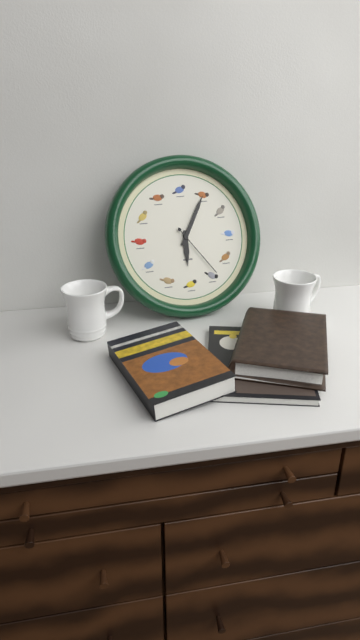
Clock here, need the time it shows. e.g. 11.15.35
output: 6.05.24
